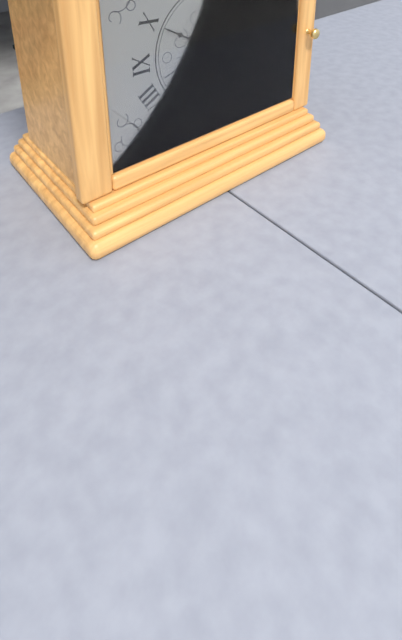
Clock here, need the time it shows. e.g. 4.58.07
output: 11.50.42
